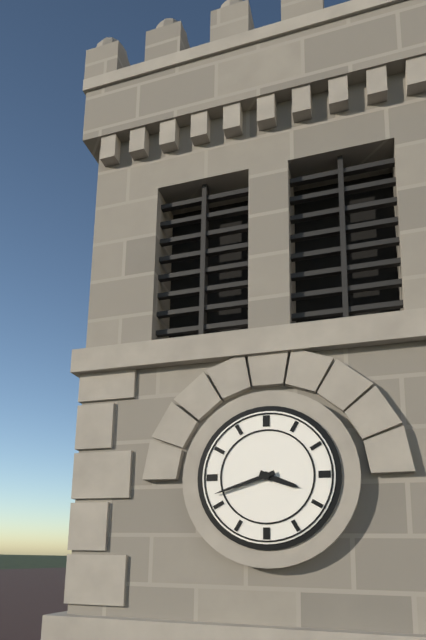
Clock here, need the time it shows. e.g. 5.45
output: 3.42
